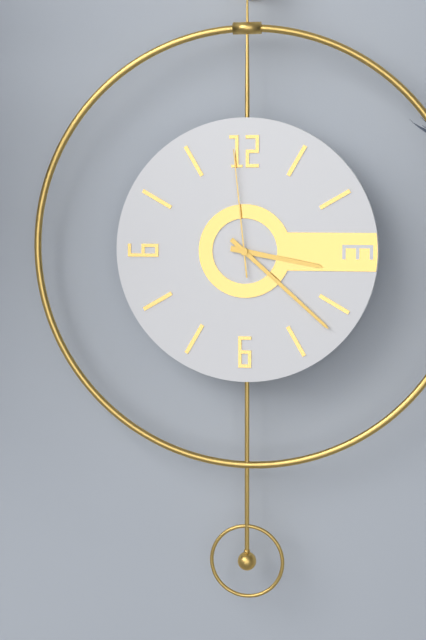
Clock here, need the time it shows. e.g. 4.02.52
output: 3.22.59
